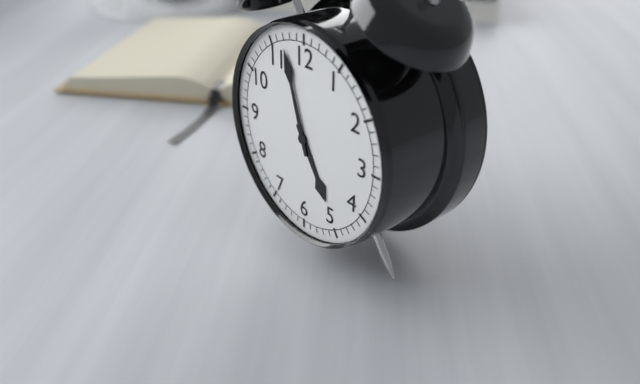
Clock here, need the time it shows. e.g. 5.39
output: 4.57
